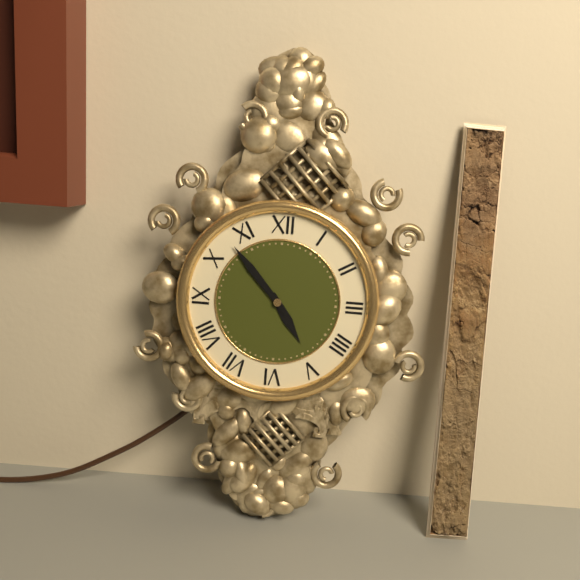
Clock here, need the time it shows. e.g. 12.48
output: 4.53
